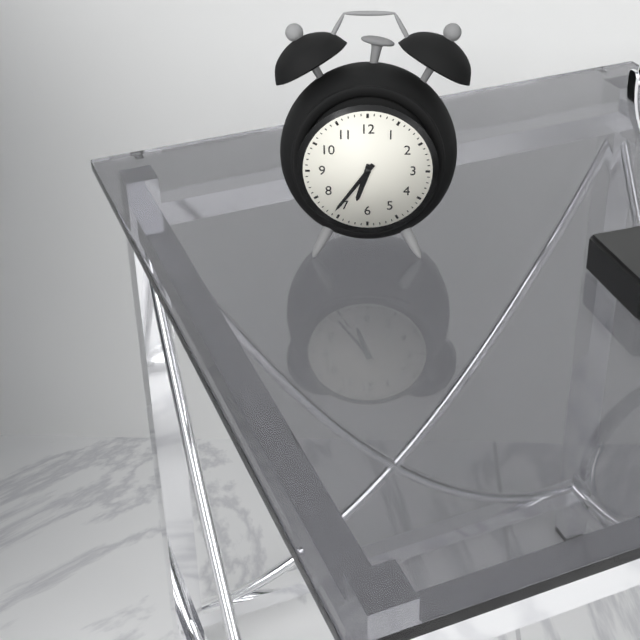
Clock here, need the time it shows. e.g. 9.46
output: 6.36
